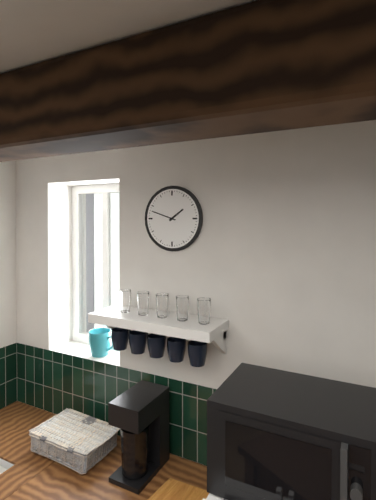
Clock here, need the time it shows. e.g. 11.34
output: 1.48
